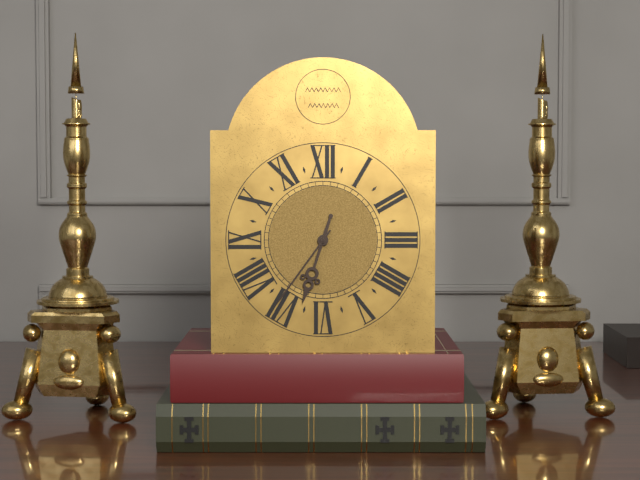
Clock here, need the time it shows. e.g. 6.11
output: 6.36
